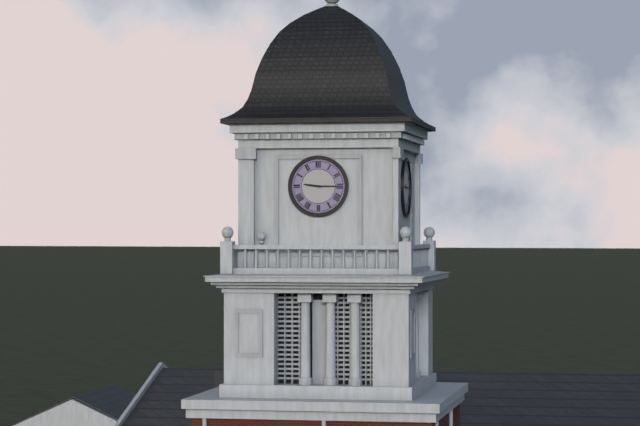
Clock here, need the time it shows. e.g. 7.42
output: 9.15
